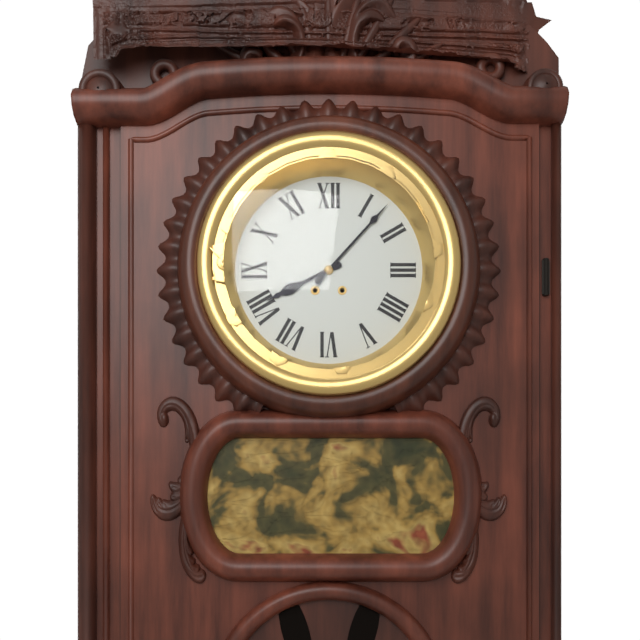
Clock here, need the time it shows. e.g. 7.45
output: 8.07
